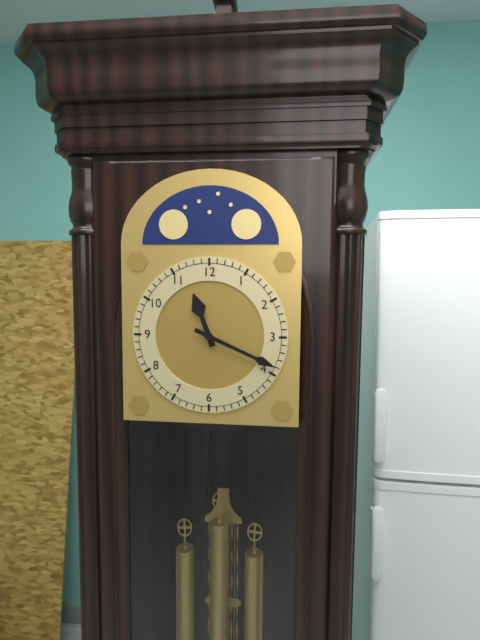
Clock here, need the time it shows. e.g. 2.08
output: 11.19
